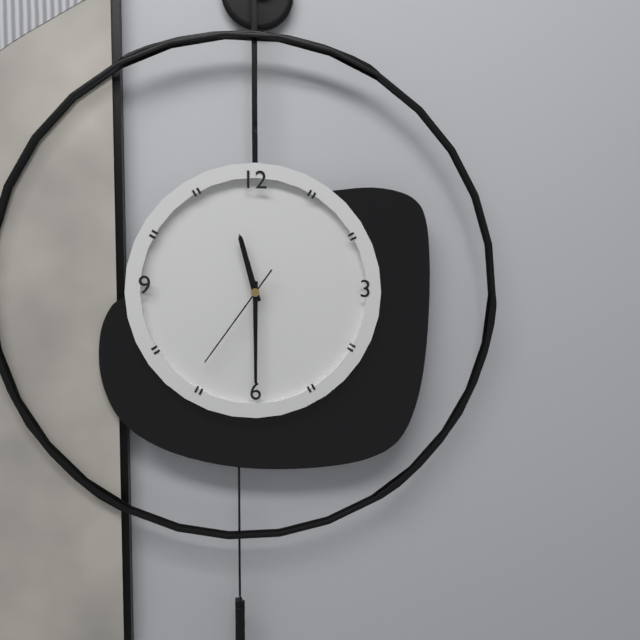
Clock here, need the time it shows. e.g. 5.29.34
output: 11.30.36
